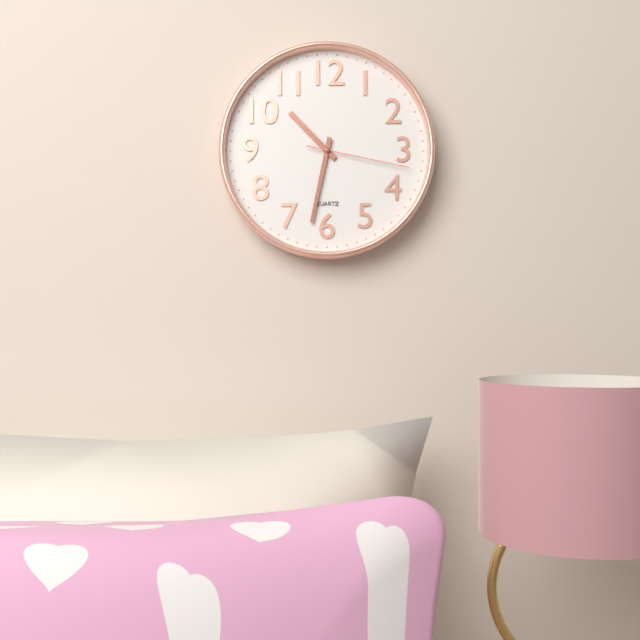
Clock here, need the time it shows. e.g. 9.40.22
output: 10.32.17
